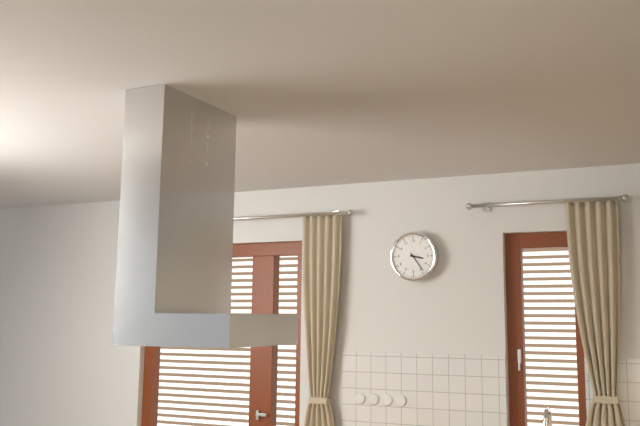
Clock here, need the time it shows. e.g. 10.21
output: 3.24
